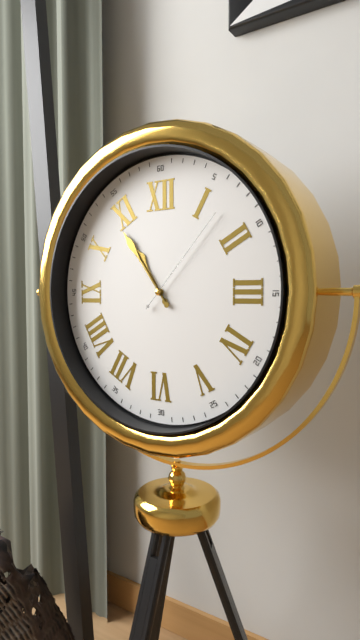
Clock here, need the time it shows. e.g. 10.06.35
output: 10.54.07
